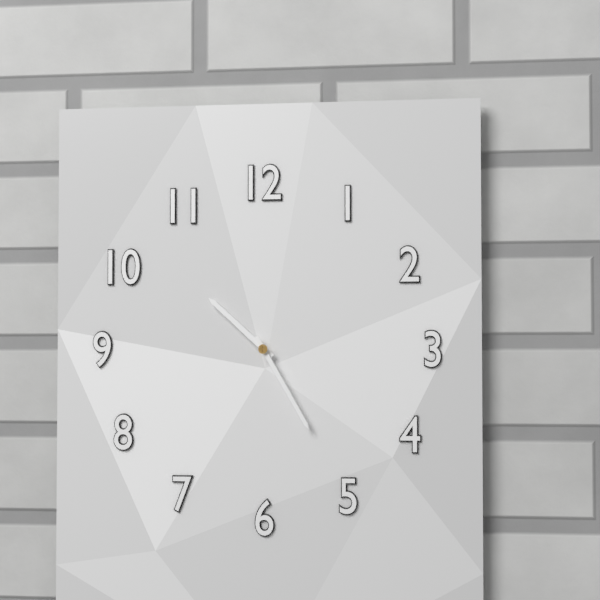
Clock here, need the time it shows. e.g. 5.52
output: 10.25
